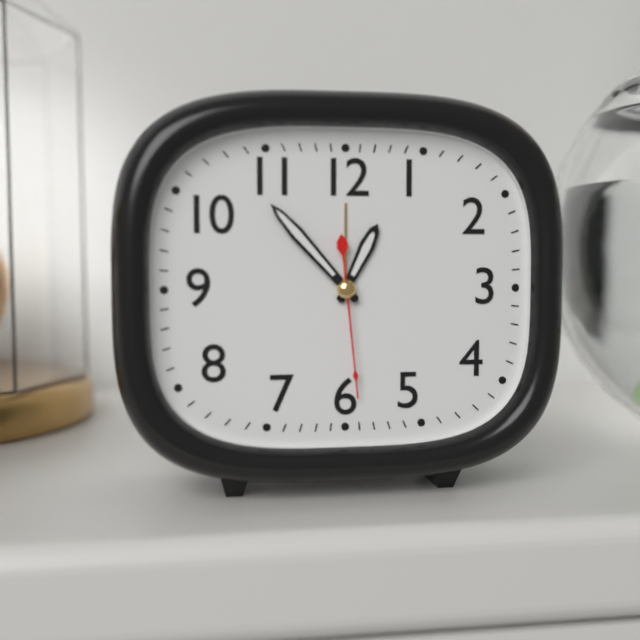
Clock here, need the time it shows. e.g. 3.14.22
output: 12.53.29
